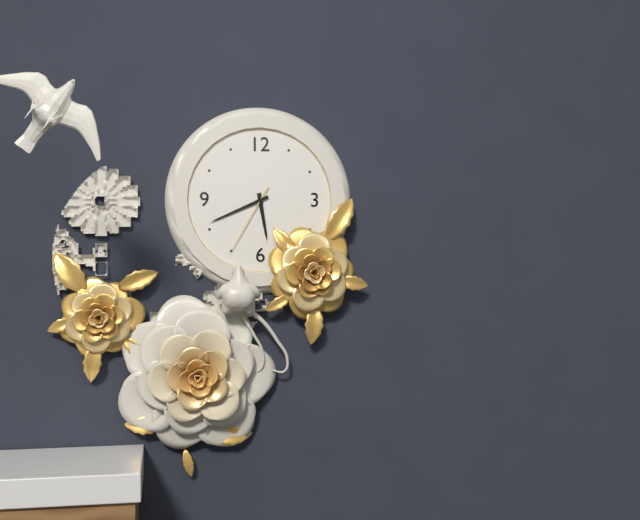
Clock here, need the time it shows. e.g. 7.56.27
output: 5.41.35
